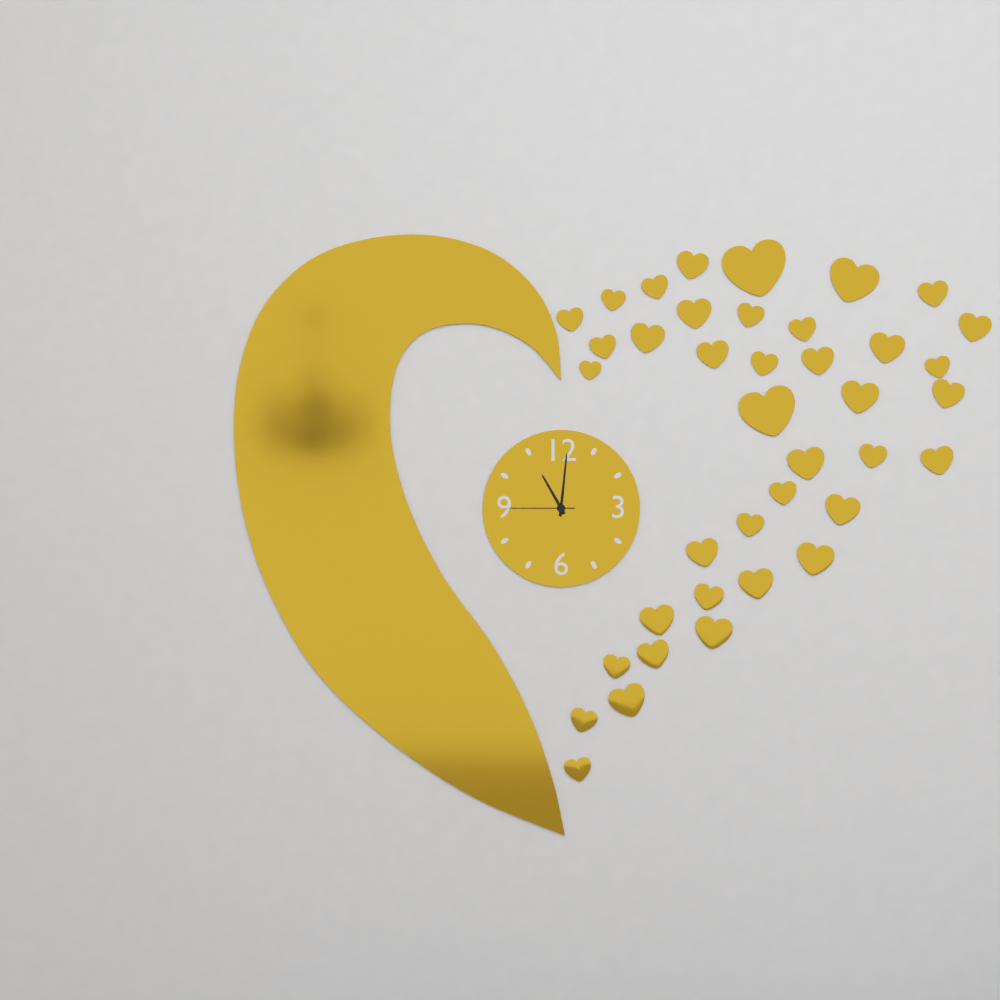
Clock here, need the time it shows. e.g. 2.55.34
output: 11.01.45
